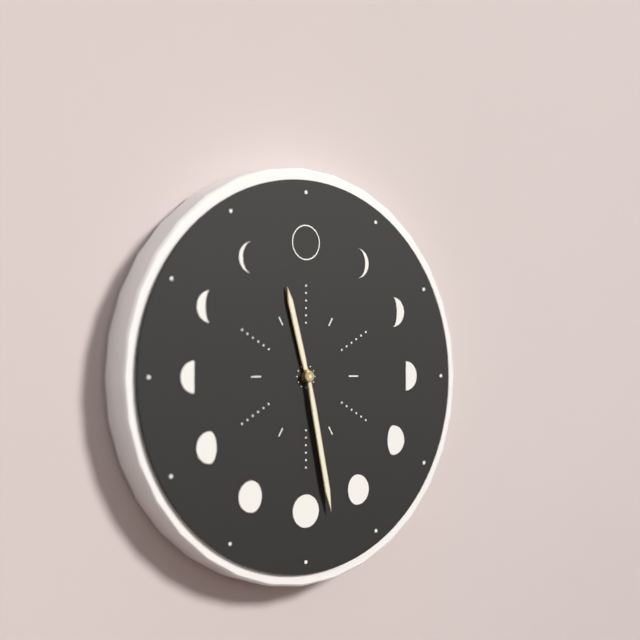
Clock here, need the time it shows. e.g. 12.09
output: 11.28
